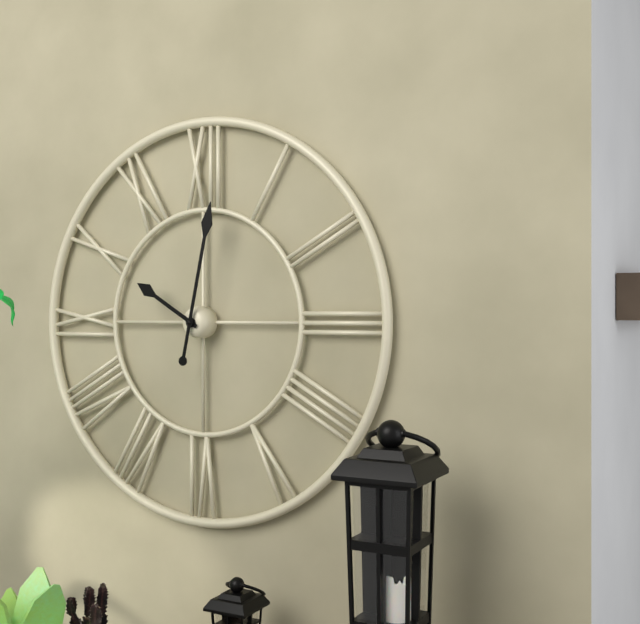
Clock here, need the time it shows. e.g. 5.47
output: 10.02
